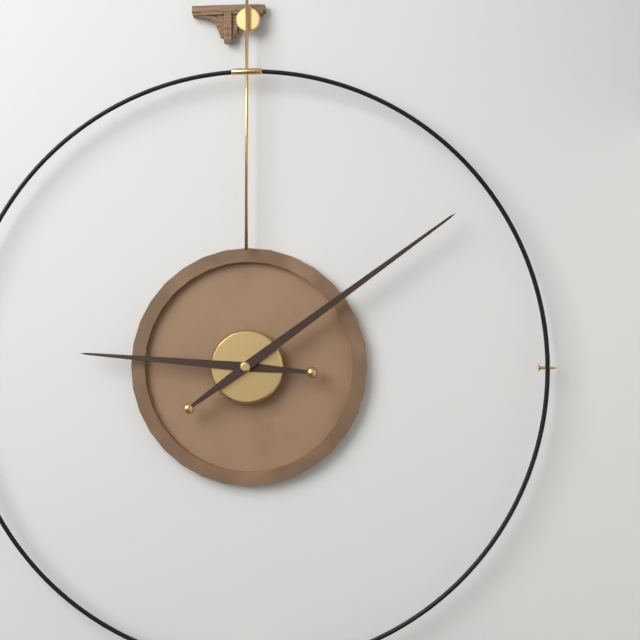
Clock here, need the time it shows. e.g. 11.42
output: 9.09
